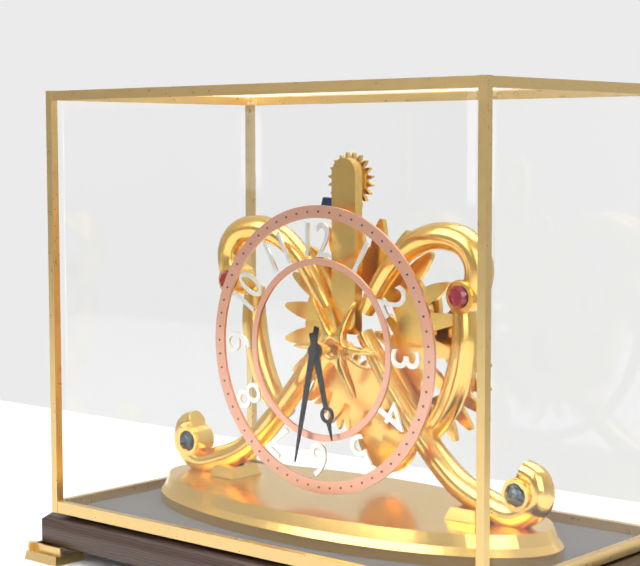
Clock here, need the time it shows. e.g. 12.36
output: 5.32
